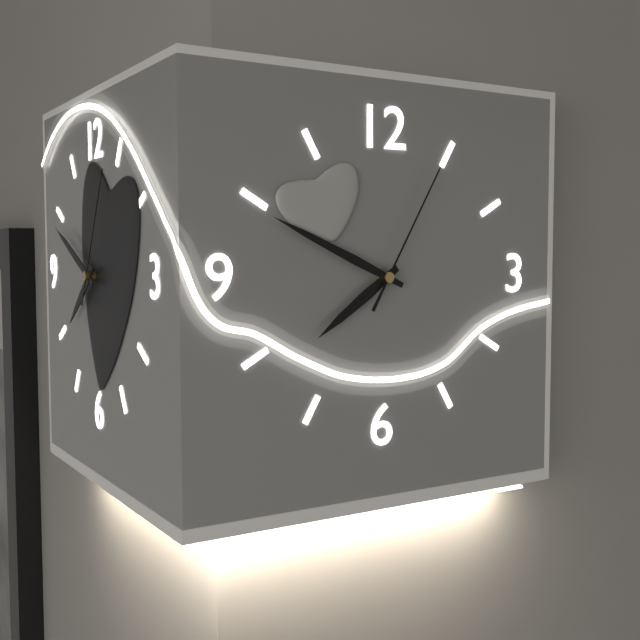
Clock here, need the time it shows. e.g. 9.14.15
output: 7.49.05
